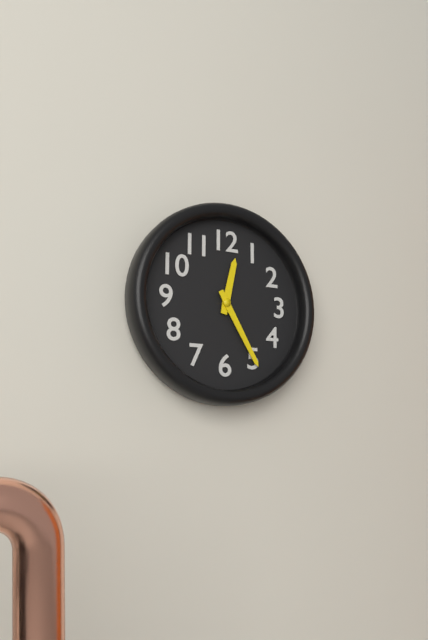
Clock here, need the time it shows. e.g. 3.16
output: 12.25
